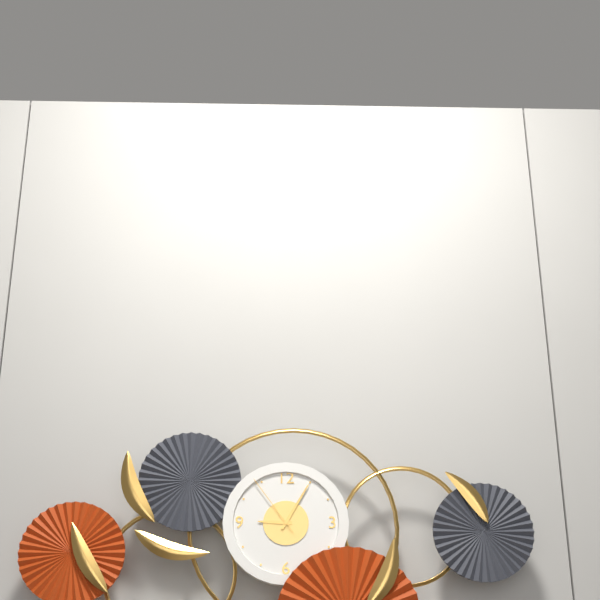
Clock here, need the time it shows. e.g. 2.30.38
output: 9.05.54
